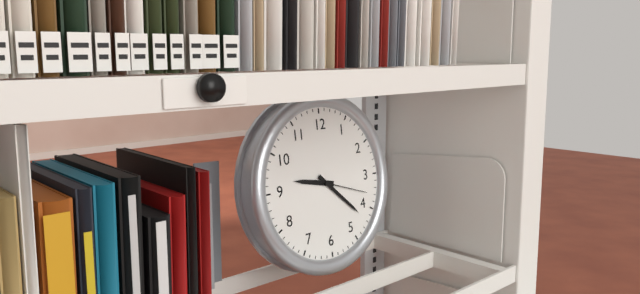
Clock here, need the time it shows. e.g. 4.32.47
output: 9.22.18
